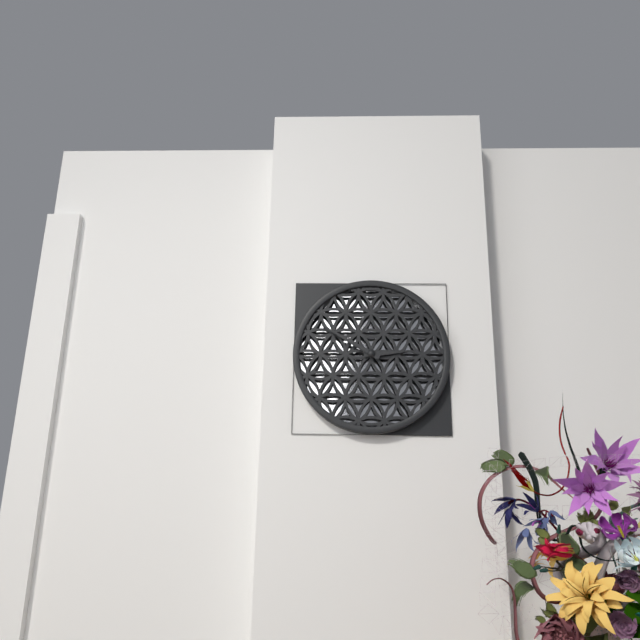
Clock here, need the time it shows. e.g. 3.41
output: 2.50
